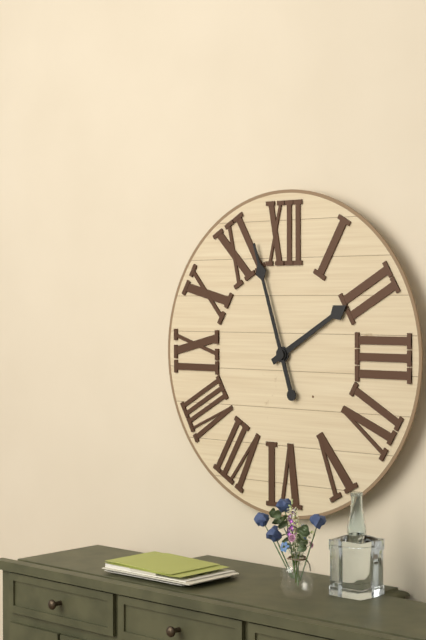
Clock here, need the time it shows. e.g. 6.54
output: 1.57
